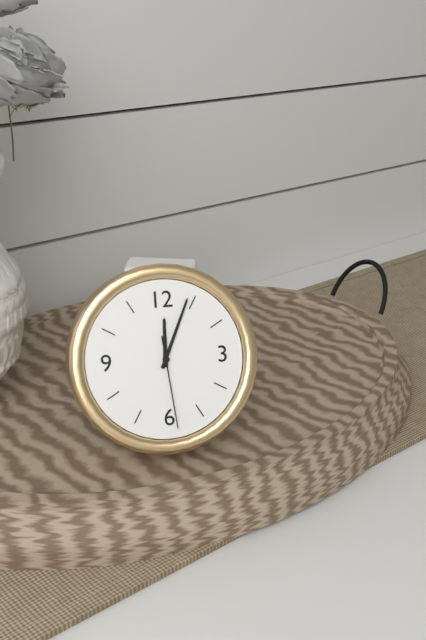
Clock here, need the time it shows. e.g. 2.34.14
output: 12.04.29
